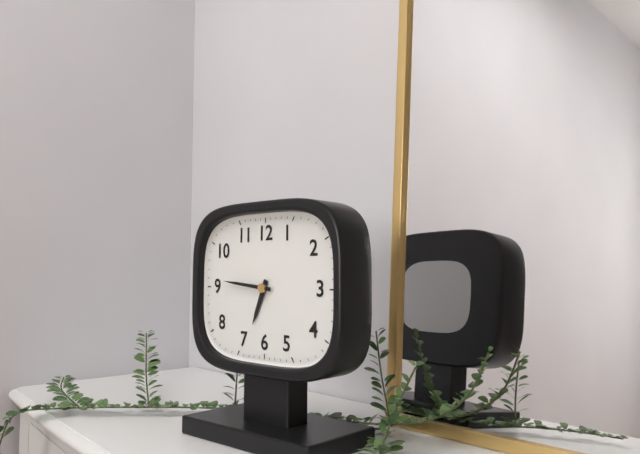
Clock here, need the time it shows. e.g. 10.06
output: 6.46
